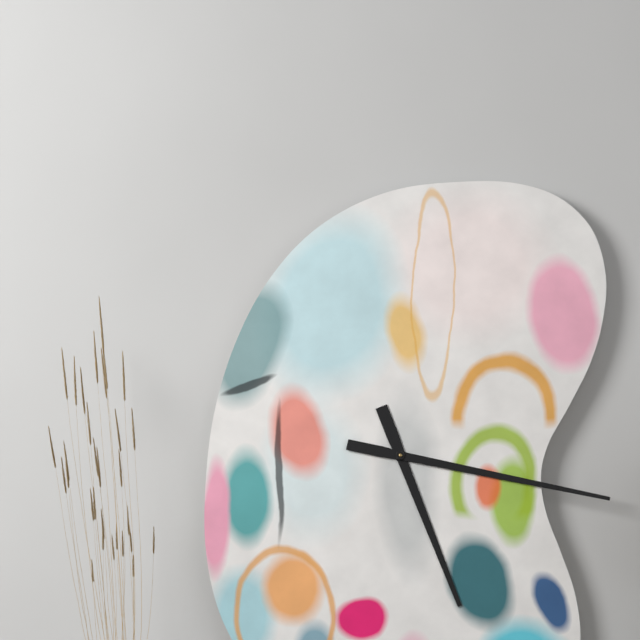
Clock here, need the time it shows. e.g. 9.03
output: 5.17
